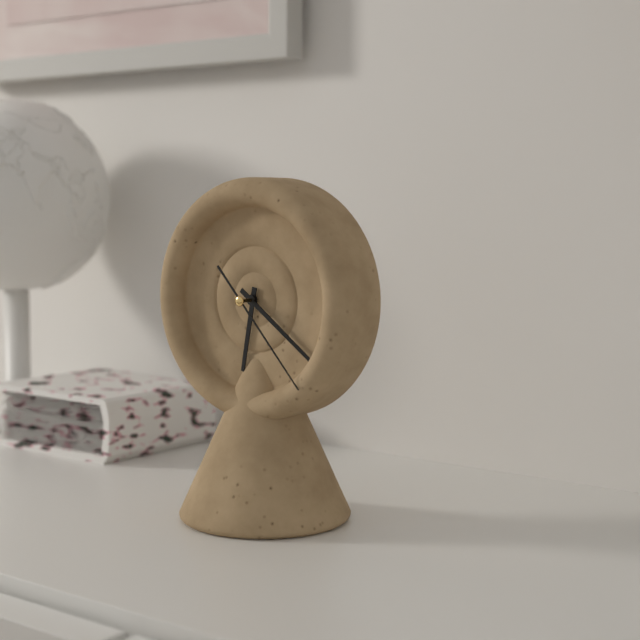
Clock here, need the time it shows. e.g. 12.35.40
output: 6.21.23
